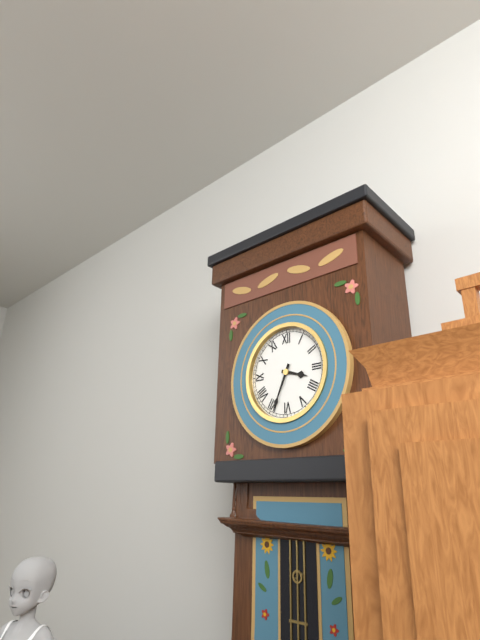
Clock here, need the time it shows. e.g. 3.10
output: 3.34
